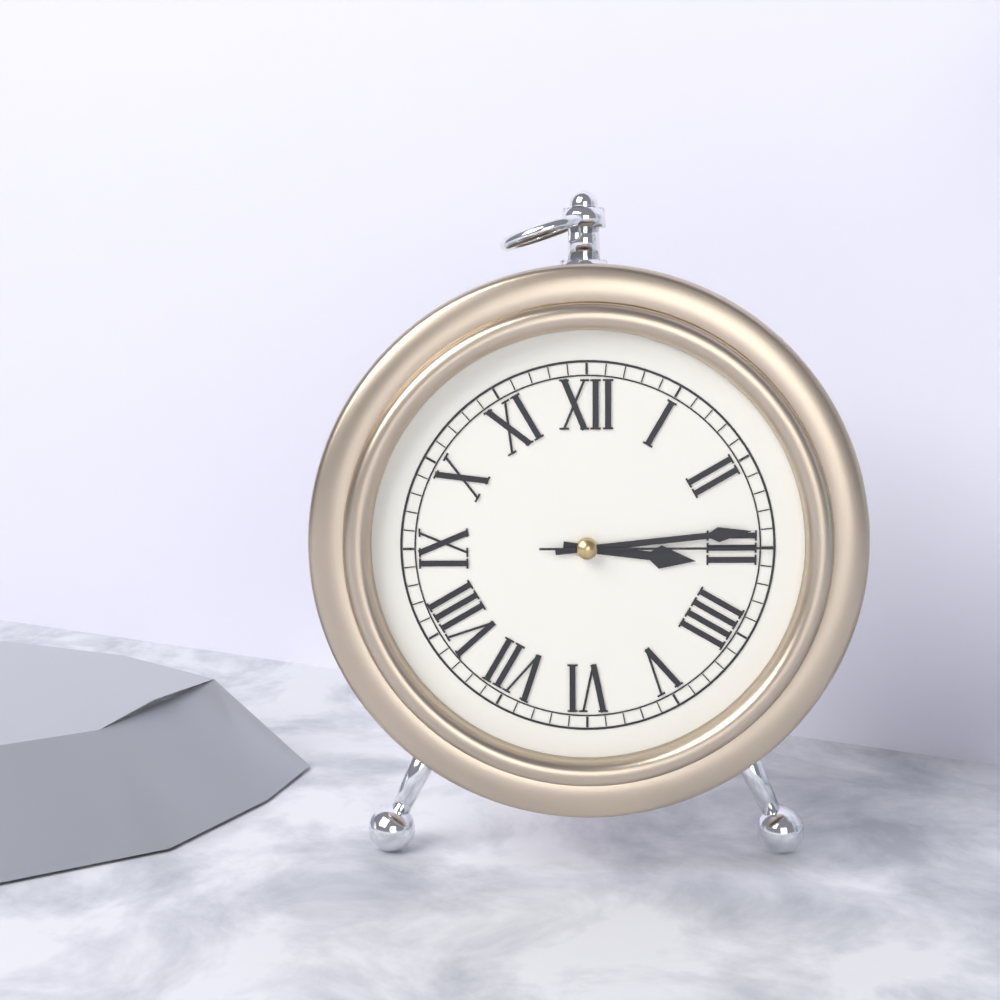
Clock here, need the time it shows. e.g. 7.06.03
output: 3.14.15
